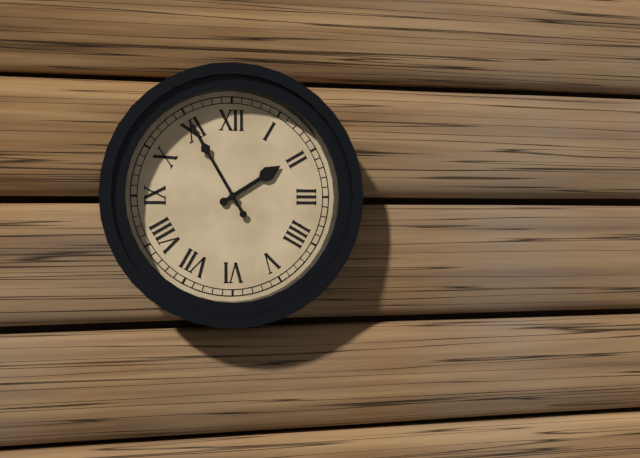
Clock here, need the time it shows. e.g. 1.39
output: 1.55
